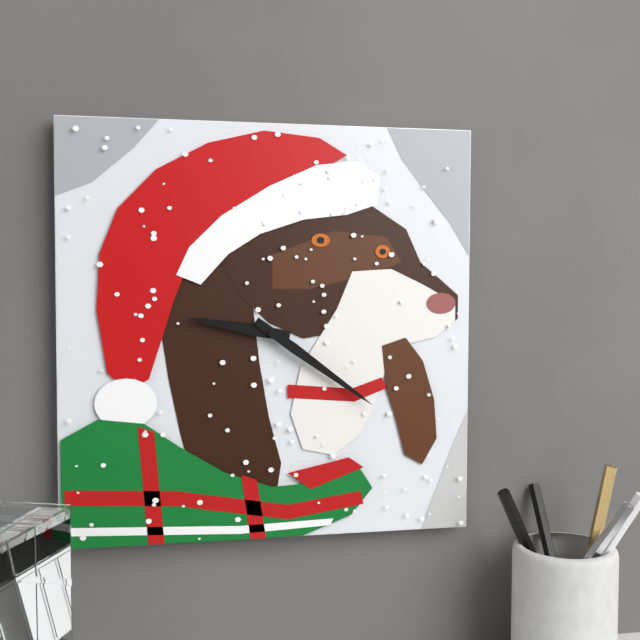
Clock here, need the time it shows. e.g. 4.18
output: 9.21
